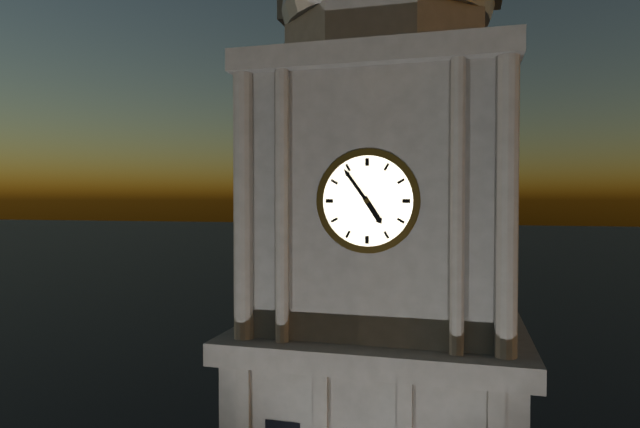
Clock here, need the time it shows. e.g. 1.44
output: 4.54
